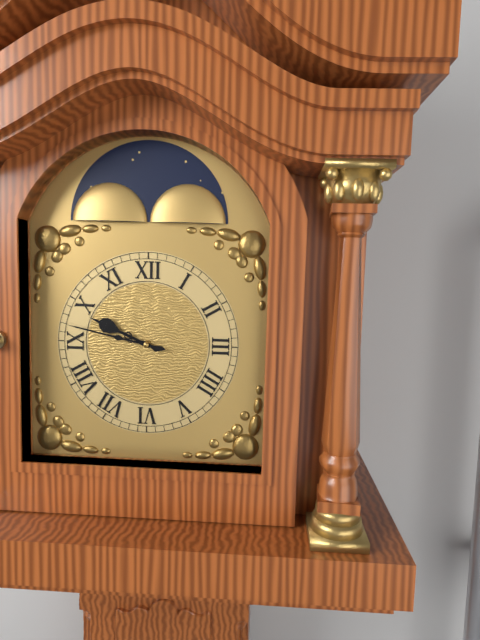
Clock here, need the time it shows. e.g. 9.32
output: 9.47
